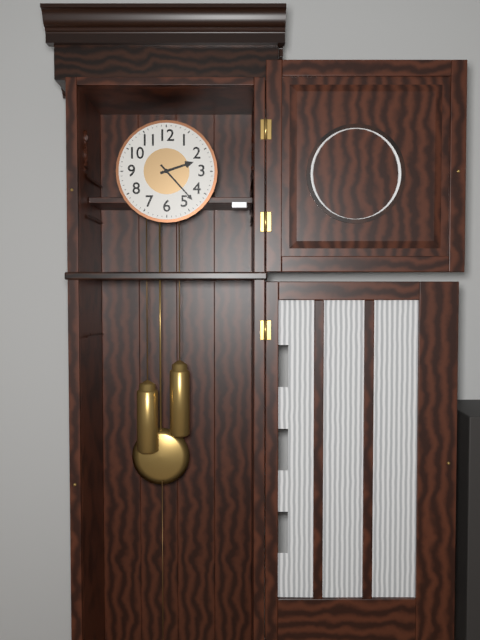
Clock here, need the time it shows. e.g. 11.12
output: 2.23
